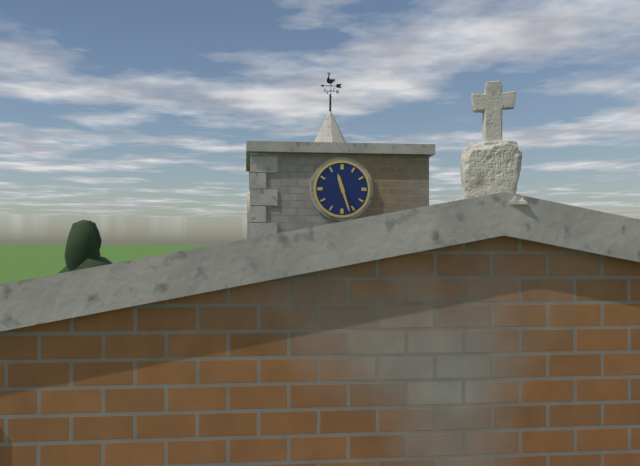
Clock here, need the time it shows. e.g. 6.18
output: 11.27
